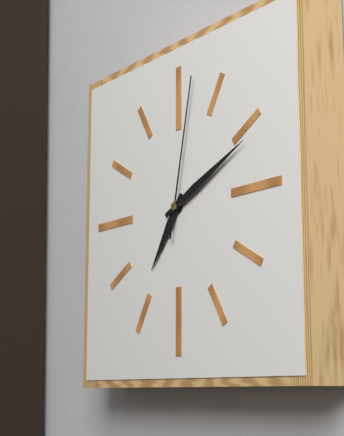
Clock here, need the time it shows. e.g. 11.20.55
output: 7.11.02
